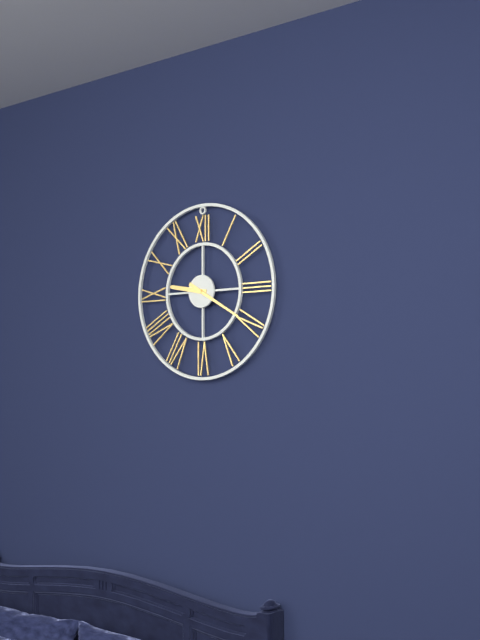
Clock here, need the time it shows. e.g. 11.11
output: 9.20
